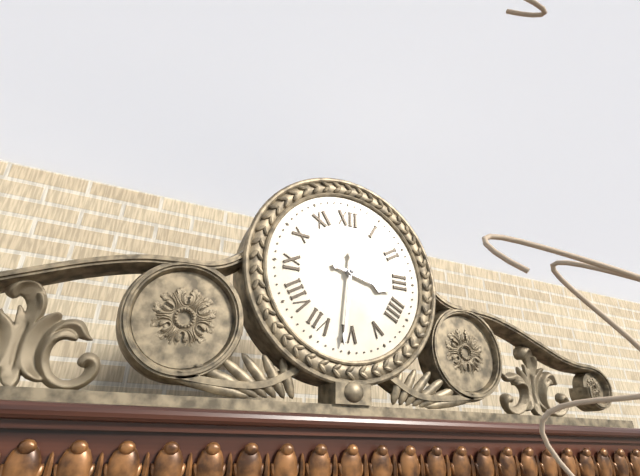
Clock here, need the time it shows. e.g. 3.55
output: 3.31
